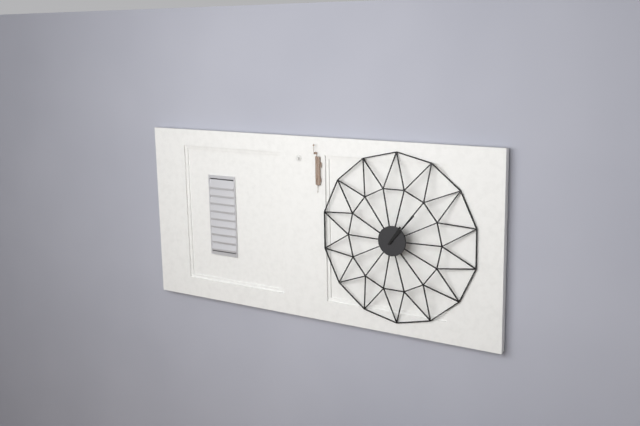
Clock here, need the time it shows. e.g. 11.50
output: 1.07
